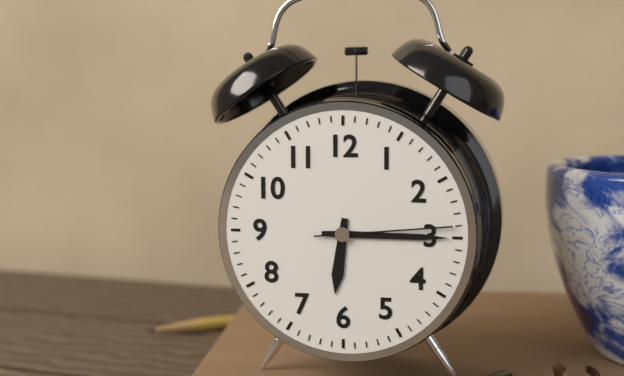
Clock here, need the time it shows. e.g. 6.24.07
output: 6.15.14
